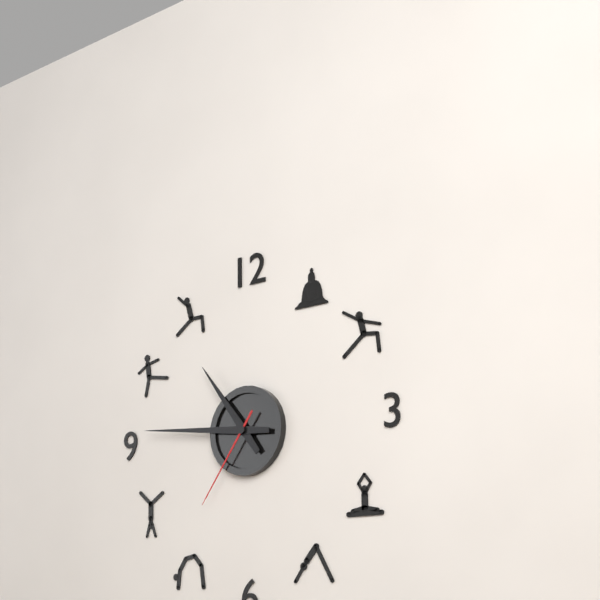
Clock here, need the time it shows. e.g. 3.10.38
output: 10.46.36
